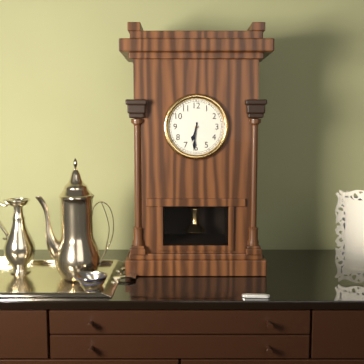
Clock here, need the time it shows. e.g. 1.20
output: 6.31
